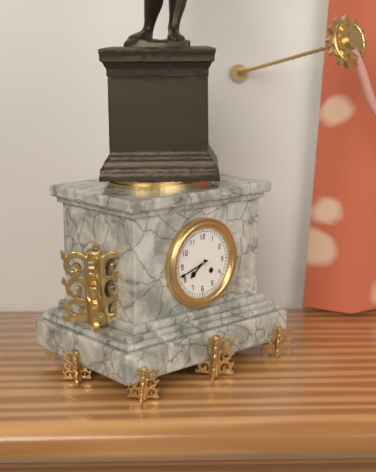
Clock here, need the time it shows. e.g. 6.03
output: 7.42
